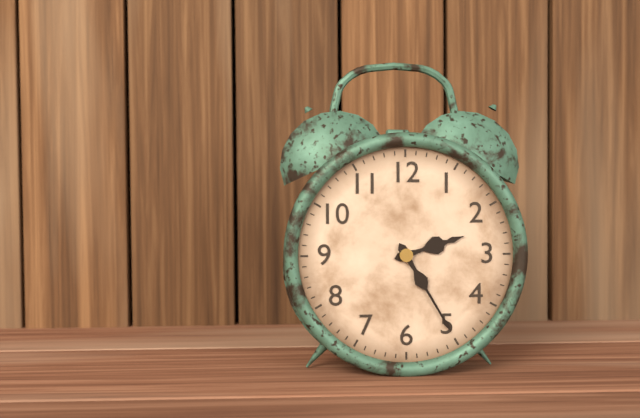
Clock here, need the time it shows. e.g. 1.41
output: 2.25
